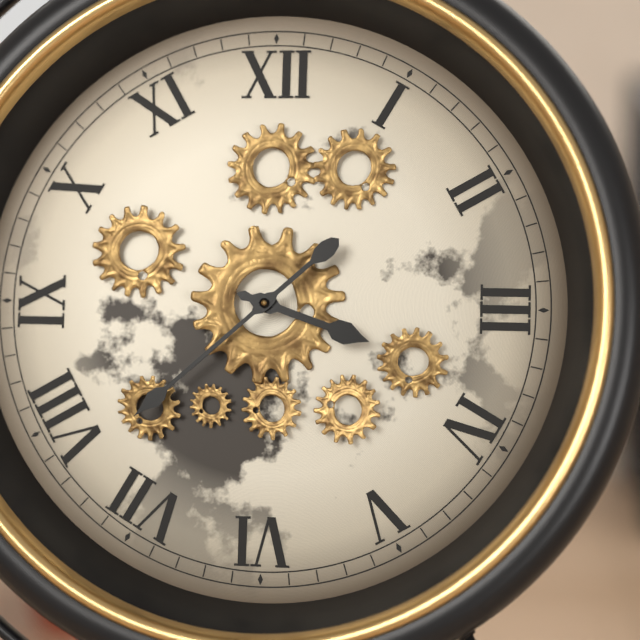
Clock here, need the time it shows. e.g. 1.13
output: 3.38
